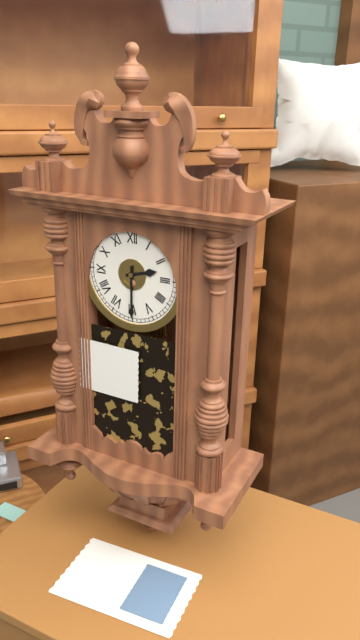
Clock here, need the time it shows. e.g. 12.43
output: 2.30
